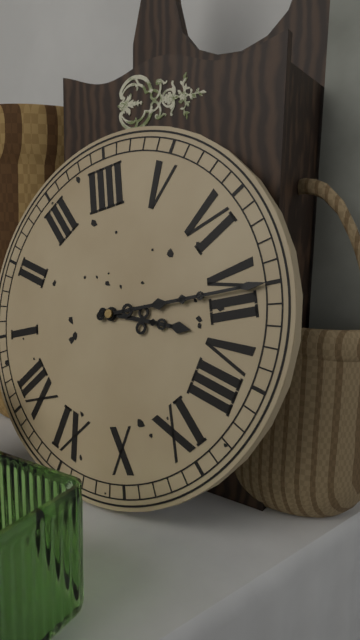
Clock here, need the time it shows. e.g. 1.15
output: 7.35
